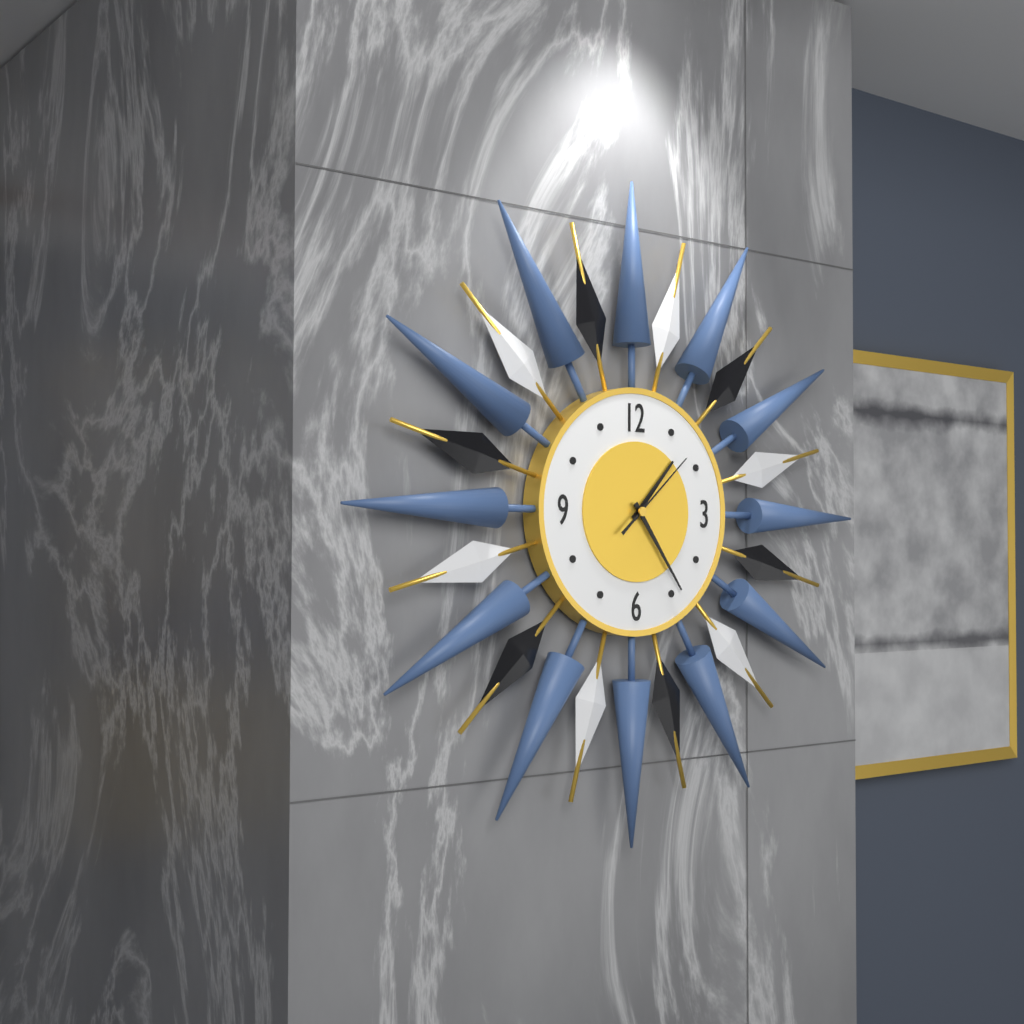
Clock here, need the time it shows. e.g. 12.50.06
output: 1.24.08
